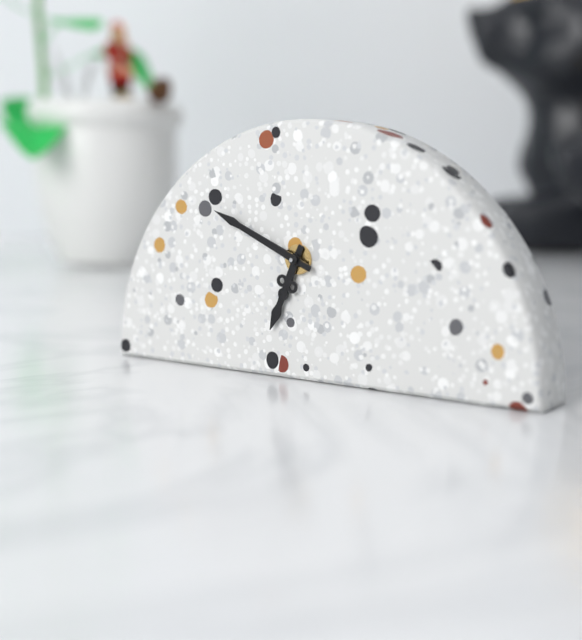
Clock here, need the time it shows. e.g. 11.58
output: 6.49
